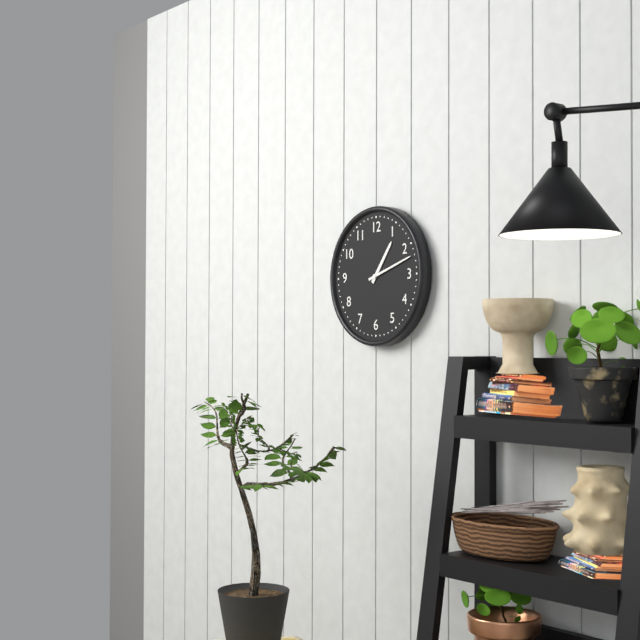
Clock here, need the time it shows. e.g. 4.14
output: 1.12
